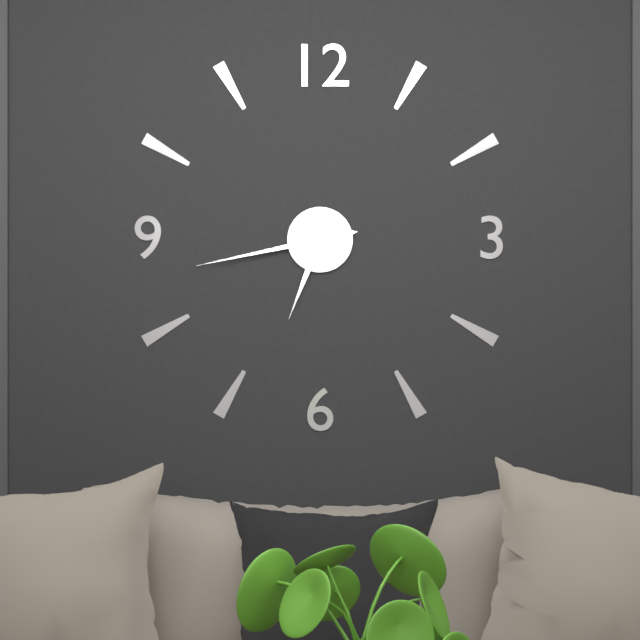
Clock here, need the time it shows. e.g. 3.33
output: 6.43
